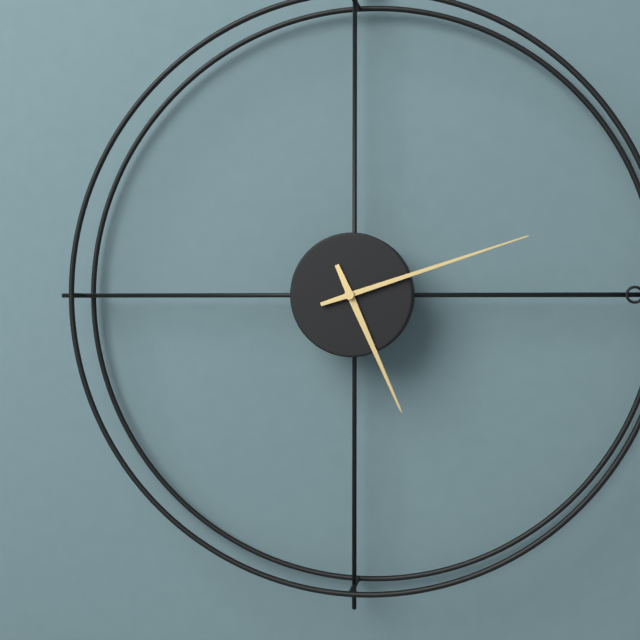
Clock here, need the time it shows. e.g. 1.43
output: 5.12
